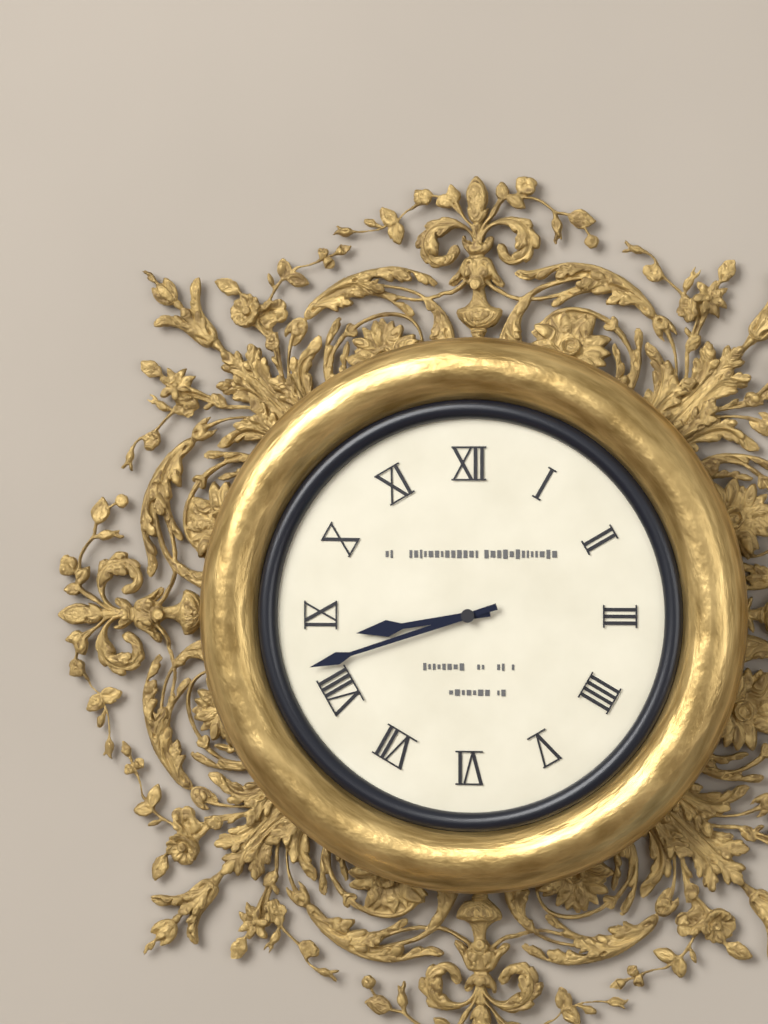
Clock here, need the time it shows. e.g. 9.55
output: 8.42
